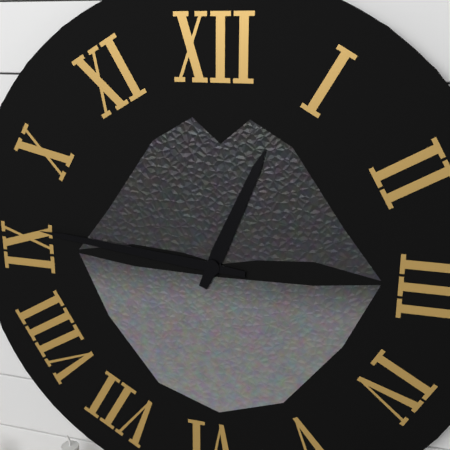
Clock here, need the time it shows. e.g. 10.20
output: 12.46
